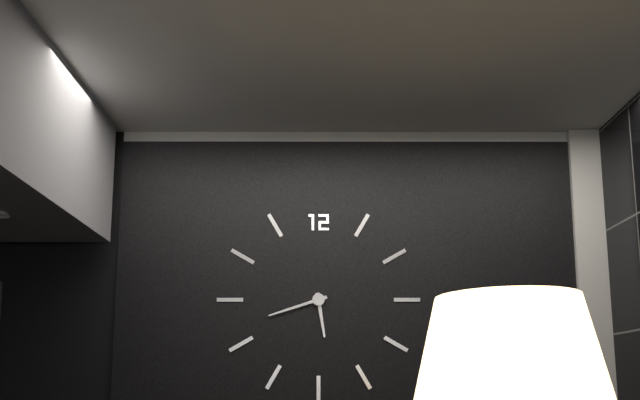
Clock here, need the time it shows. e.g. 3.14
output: 5.42
